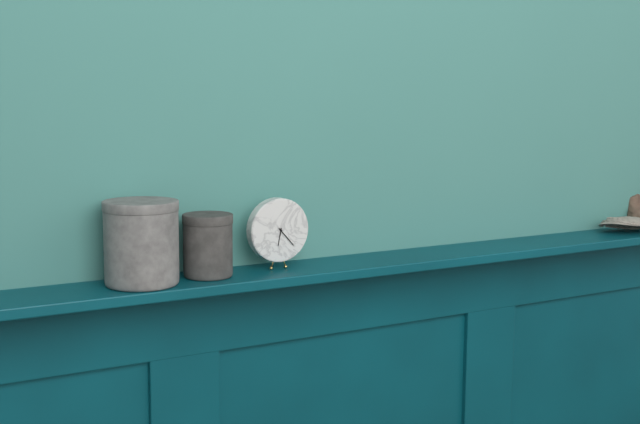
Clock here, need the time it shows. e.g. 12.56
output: 6.23
